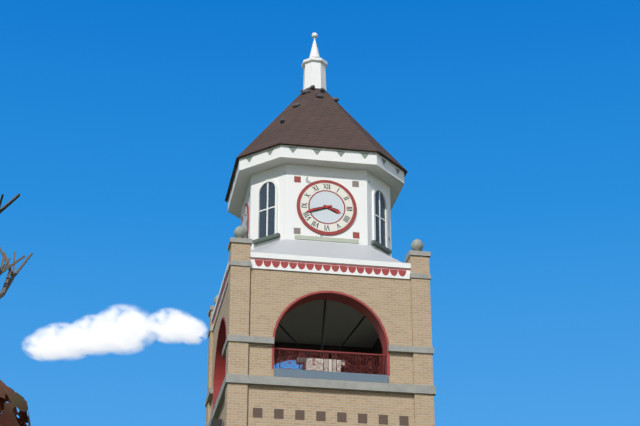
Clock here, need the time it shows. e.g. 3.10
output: 3.42
